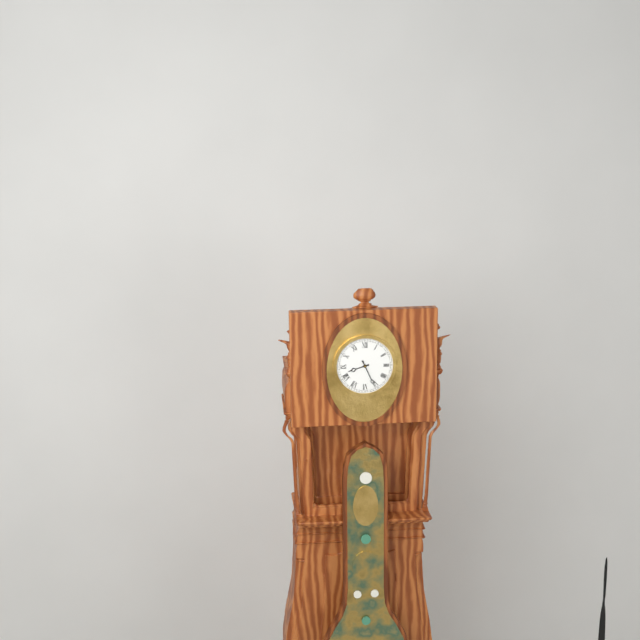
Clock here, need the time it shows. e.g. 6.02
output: 8.26
